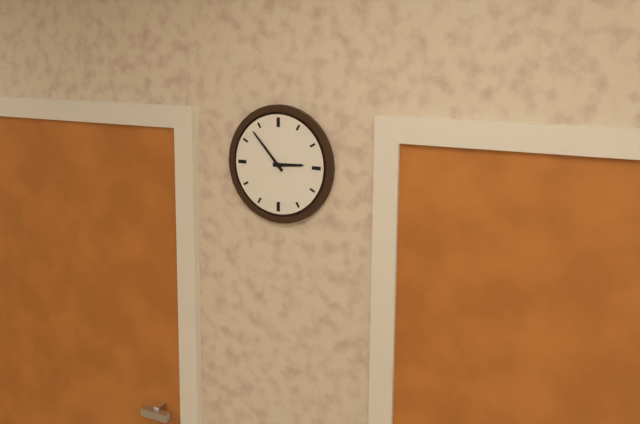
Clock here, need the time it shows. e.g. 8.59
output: 2.53
